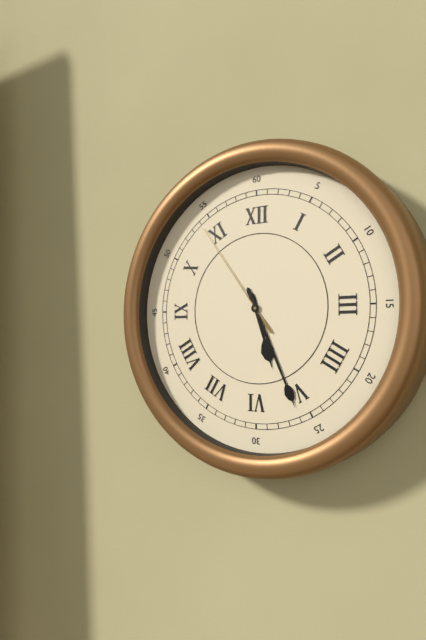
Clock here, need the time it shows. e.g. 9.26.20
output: 5.26.54
